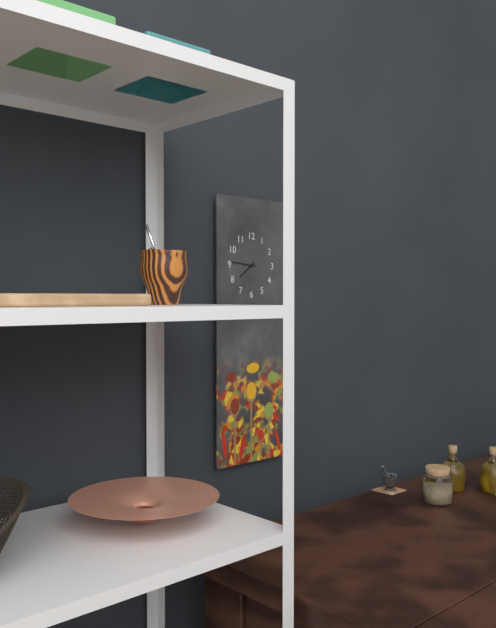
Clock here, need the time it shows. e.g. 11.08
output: 7.46
